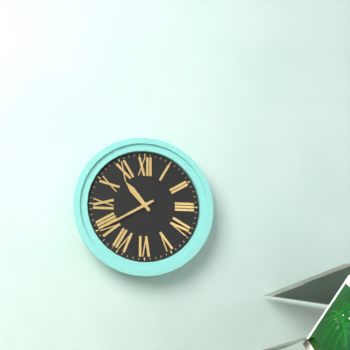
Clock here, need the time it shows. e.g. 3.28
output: 10.40
